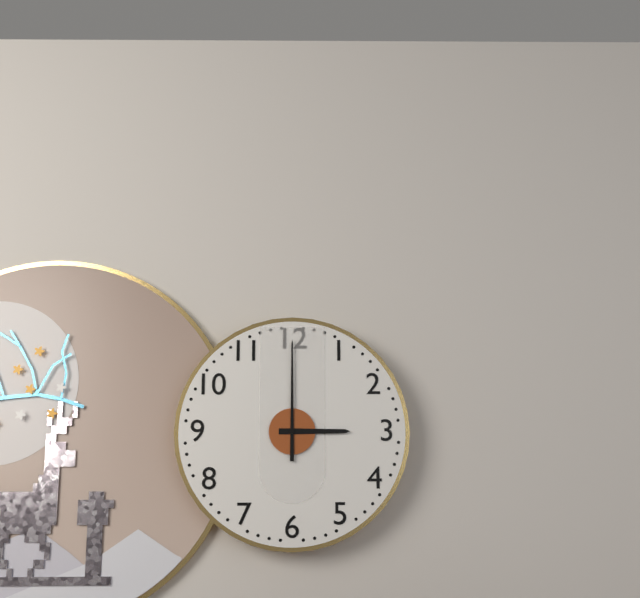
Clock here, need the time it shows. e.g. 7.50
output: 3.00
